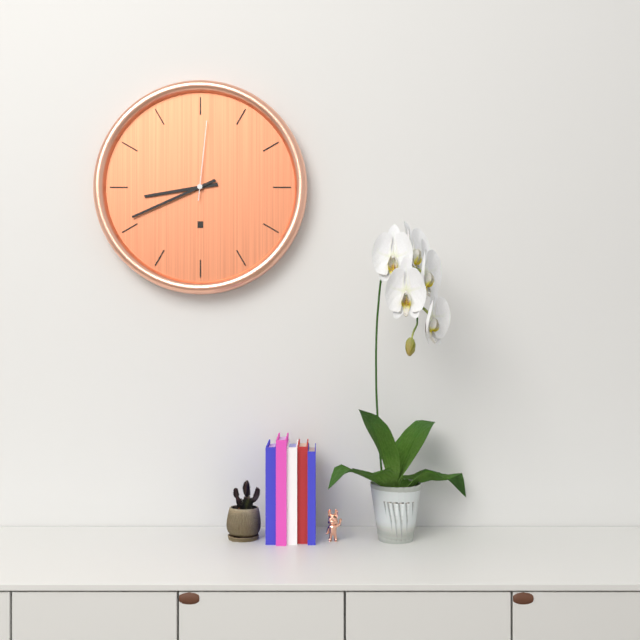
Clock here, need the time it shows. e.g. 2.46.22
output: 8.41.01
